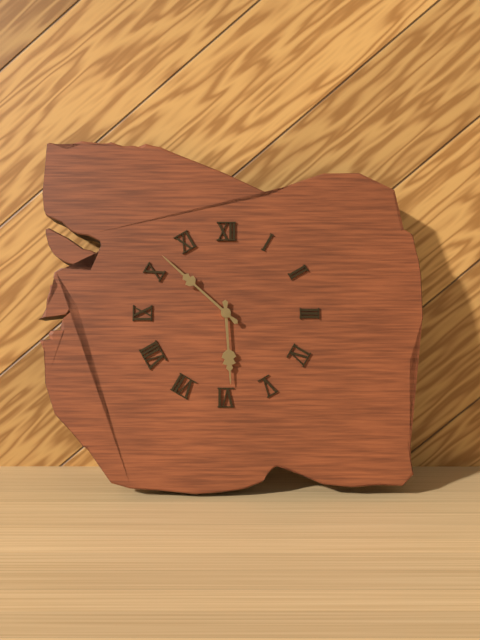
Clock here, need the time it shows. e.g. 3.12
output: 5.52
